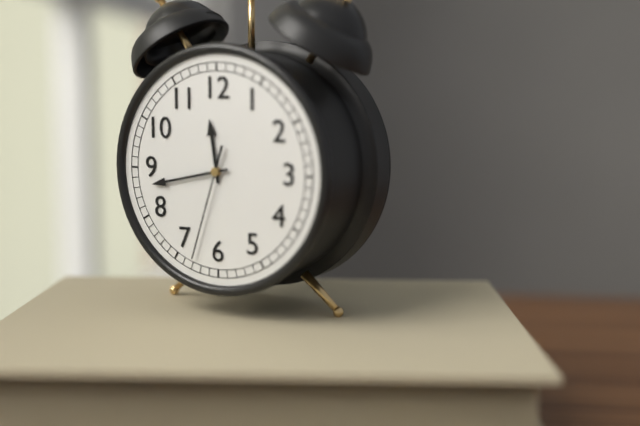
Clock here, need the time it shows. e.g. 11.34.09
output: 11.43.33
